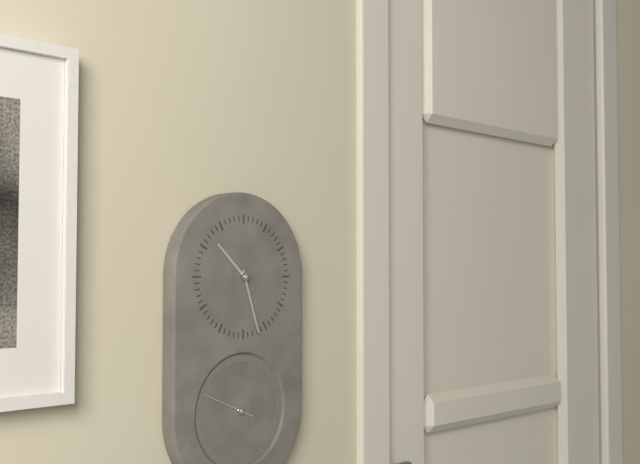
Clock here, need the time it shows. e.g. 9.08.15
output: 10.27.49
